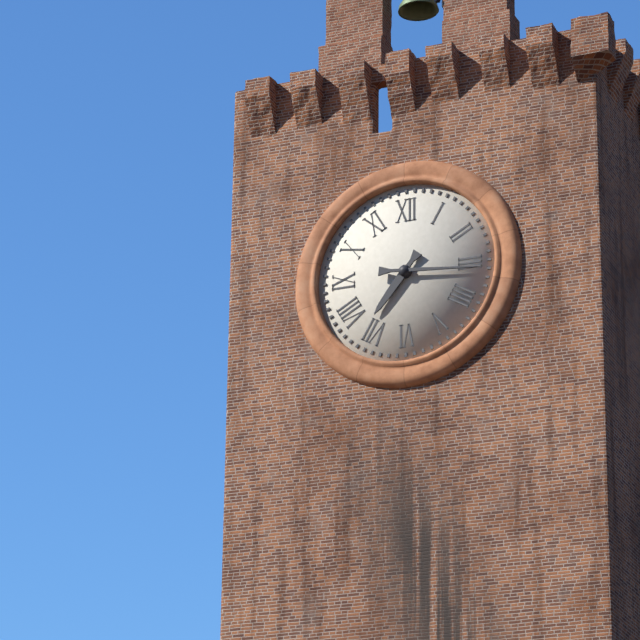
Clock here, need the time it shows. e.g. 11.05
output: 7.16
